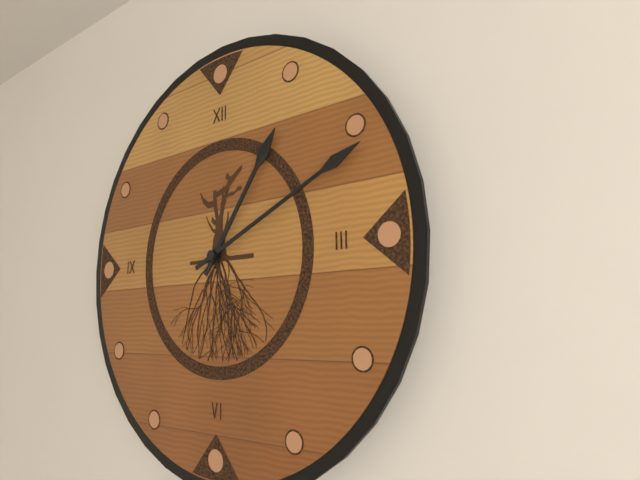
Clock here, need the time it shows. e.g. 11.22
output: 1.11
